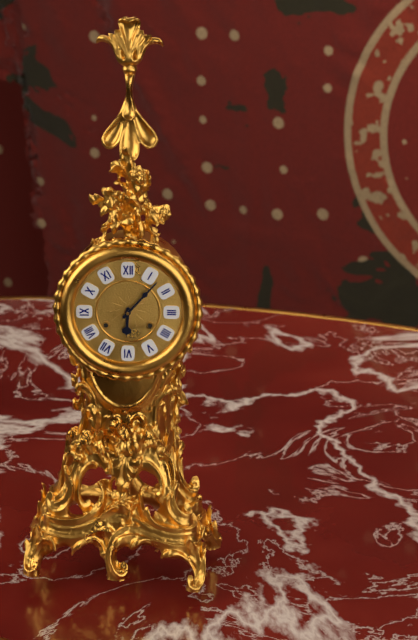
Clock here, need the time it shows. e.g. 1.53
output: 6.07
